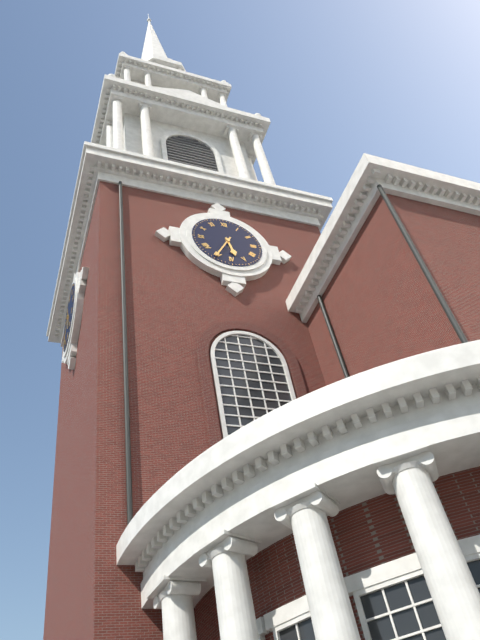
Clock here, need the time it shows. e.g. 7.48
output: 5.35
